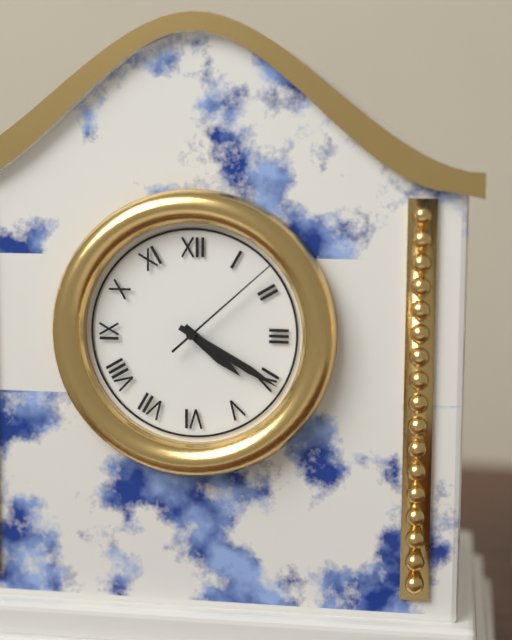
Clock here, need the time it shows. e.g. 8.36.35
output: 4.20.08
